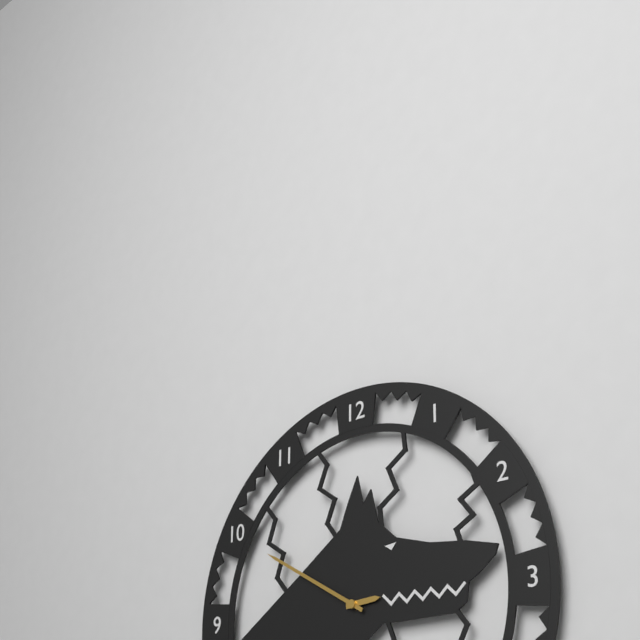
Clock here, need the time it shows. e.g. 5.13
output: 2.50
